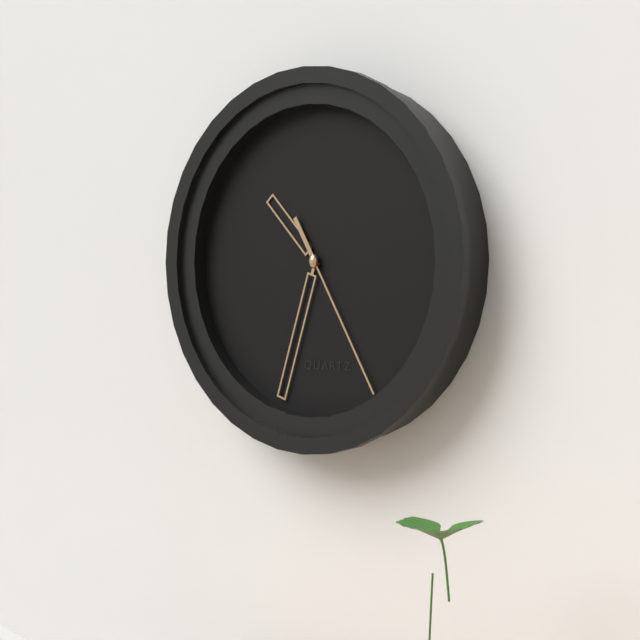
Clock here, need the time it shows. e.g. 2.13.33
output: 10.33.25
